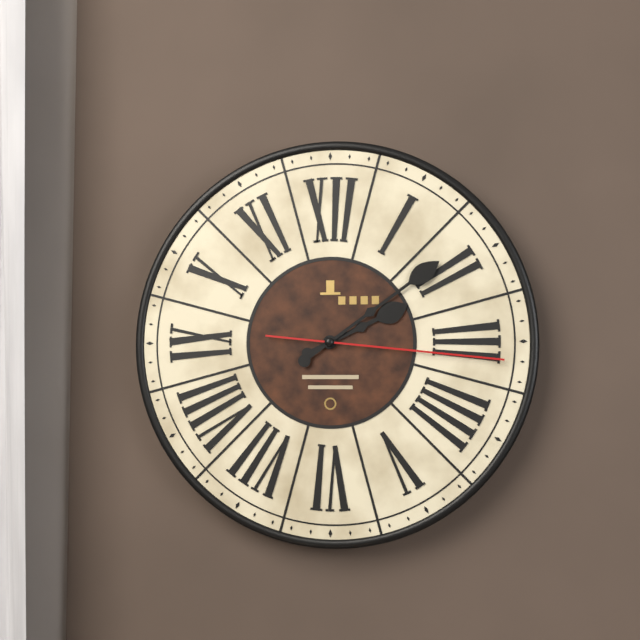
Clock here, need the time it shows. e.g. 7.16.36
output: 2.09.16
